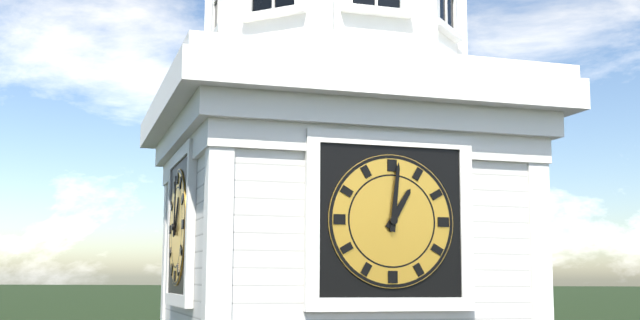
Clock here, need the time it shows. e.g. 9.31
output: 1.01
